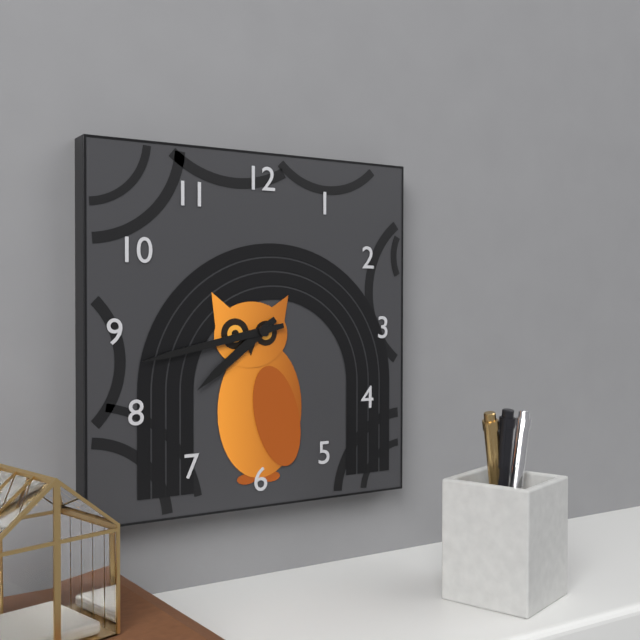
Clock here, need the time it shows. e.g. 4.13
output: 7.43
